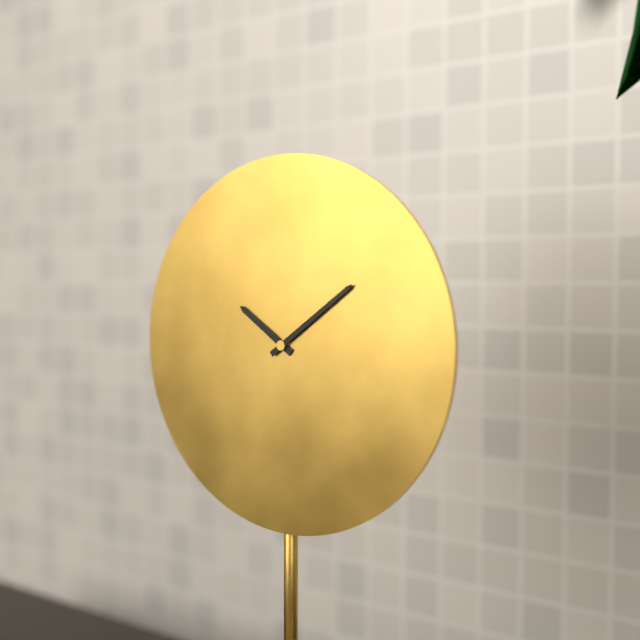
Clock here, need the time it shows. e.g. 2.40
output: 10.09
